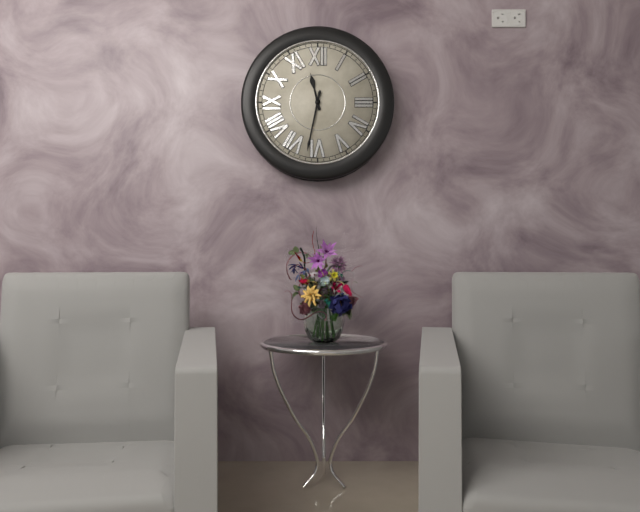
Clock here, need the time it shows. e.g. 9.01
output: 11.32
